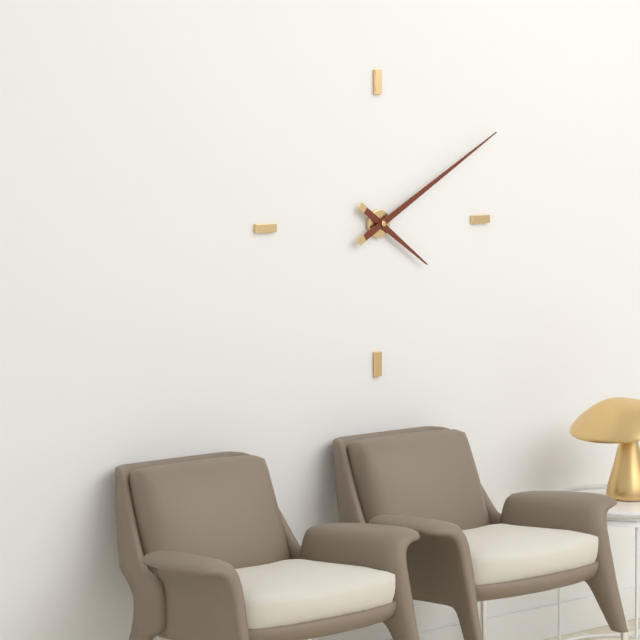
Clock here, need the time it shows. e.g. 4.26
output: 4.10
